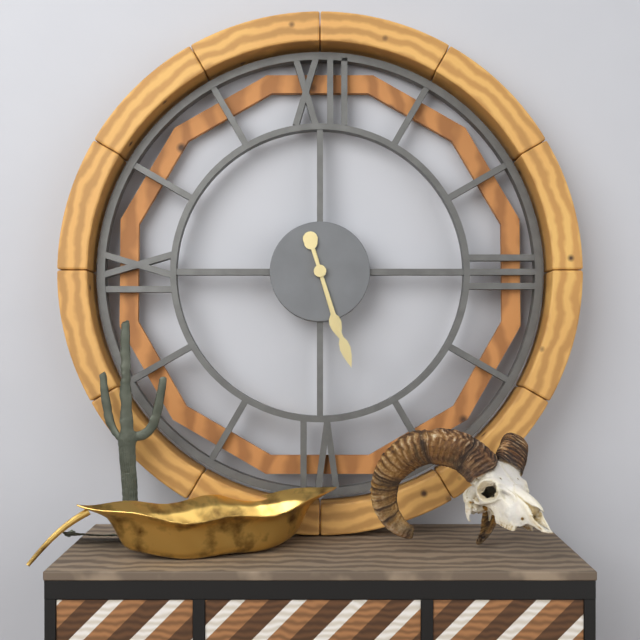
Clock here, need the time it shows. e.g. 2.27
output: 5.27
